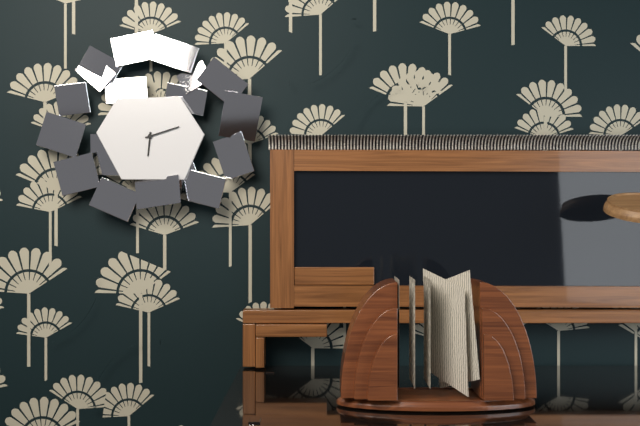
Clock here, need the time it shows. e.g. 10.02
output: 6.12
